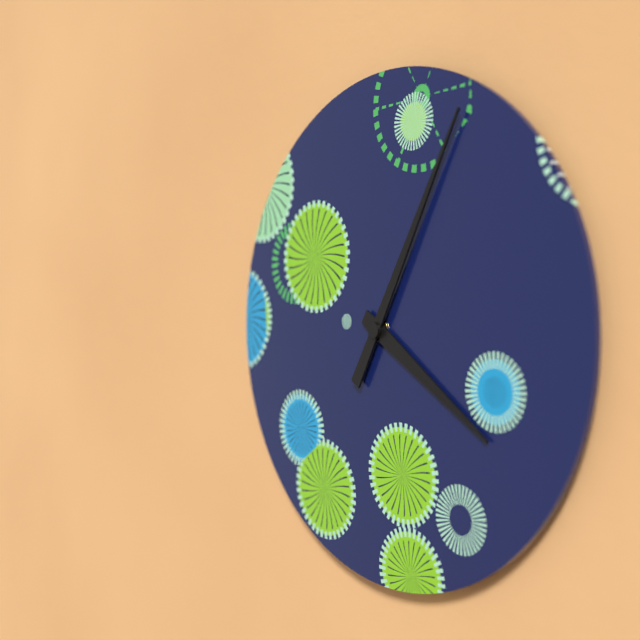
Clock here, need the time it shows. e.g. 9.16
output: 4.05
